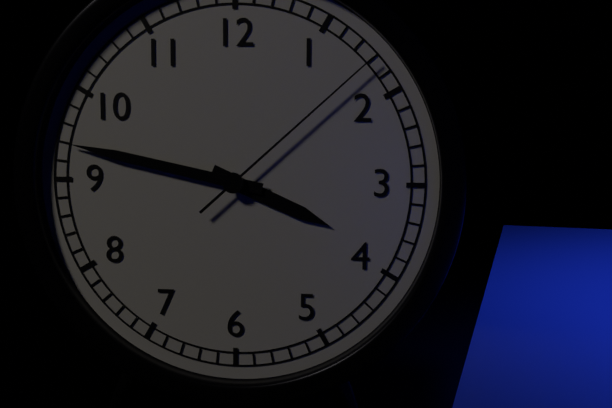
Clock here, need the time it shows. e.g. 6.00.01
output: 3.47.08
